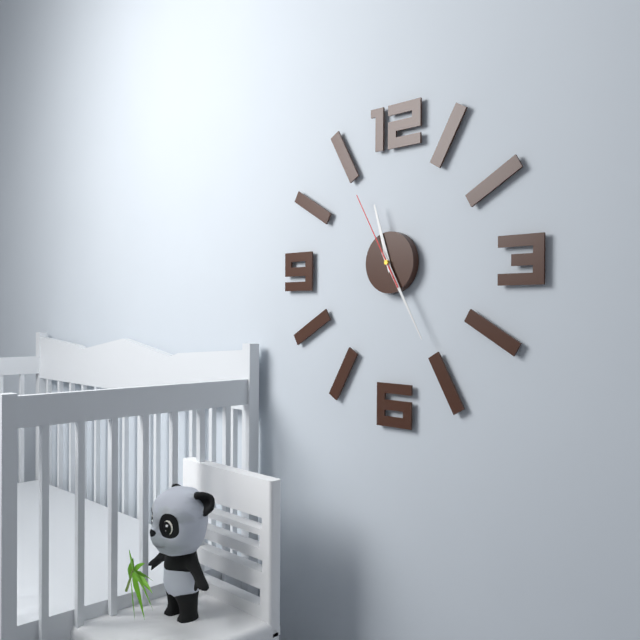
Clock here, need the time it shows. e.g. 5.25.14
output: 11.25.55
